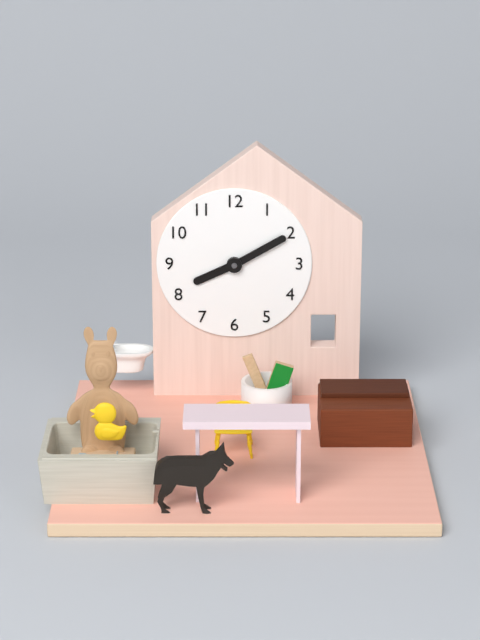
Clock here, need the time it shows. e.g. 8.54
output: 8.10
